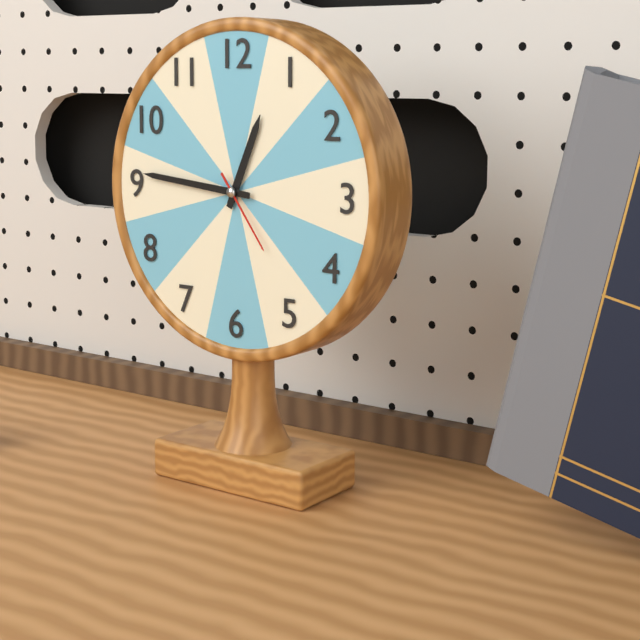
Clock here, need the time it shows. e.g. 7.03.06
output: 12.46.24
